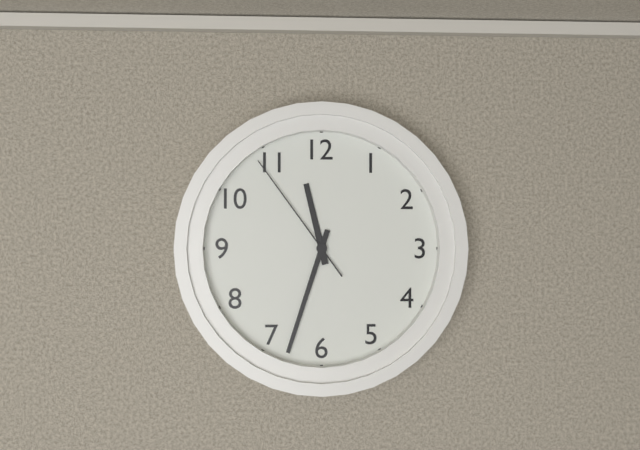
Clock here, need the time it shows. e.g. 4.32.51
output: 11.33.54
